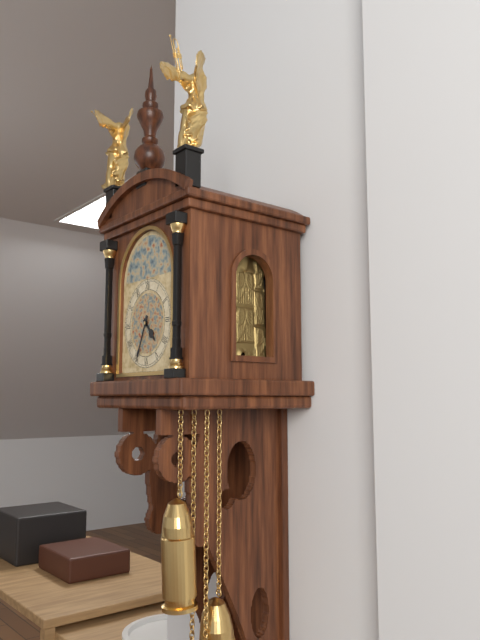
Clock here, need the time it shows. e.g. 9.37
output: 4.34
